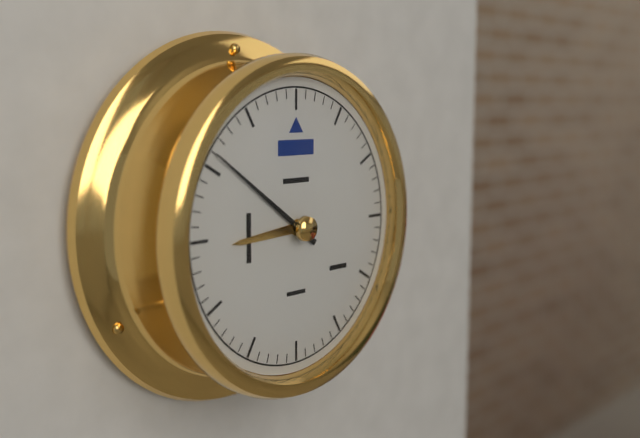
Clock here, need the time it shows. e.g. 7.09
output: 8.51
